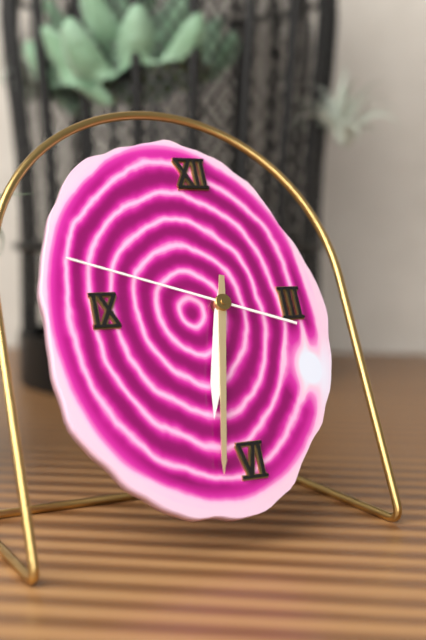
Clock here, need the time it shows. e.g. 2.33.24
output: 6.32.48
